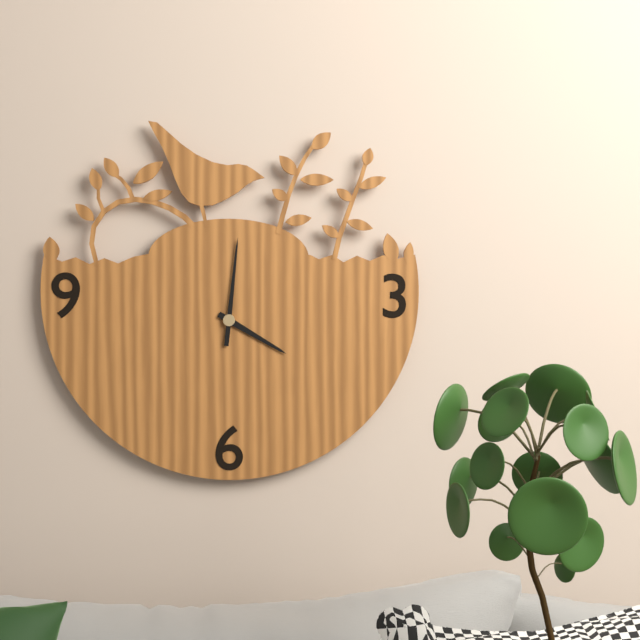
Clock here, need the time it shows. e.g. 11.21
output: 4.01
